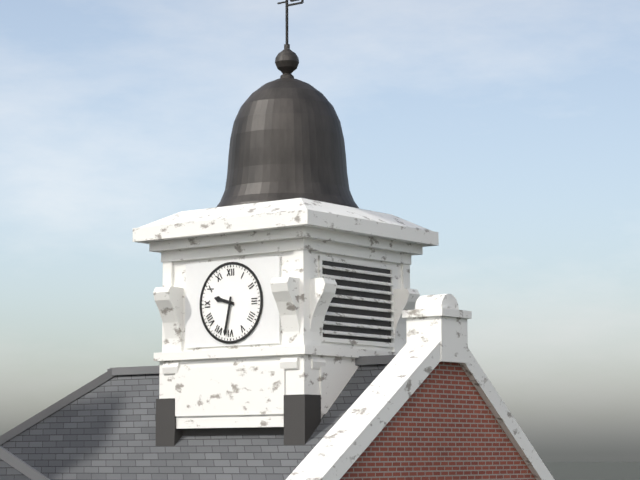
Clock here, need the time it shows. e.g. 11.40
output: 9.32
